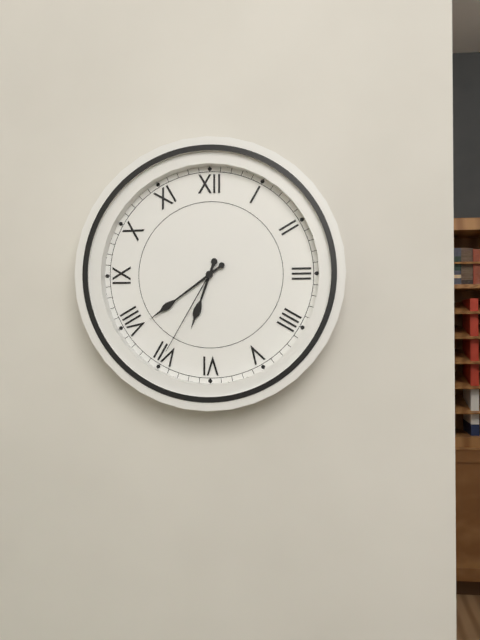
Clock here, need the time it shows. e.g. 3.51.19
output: 6.39.35
